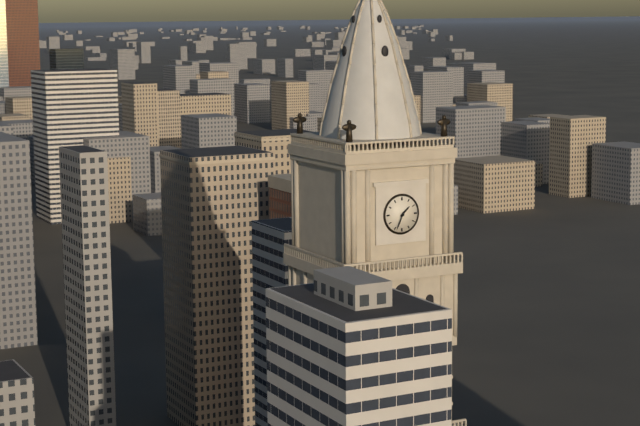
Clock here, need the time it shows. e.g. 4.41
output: 1.34
